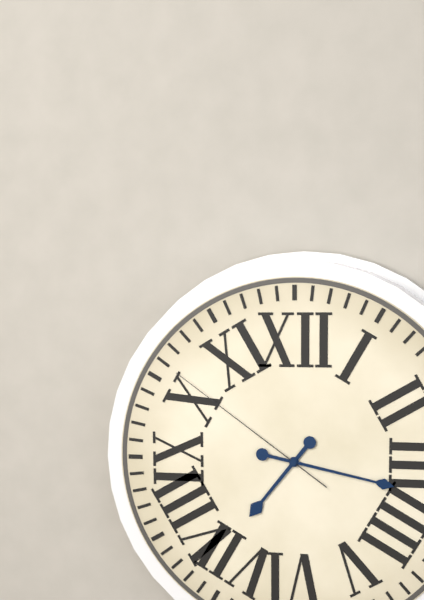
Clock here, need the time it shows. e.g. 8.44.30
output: 7.17.51
